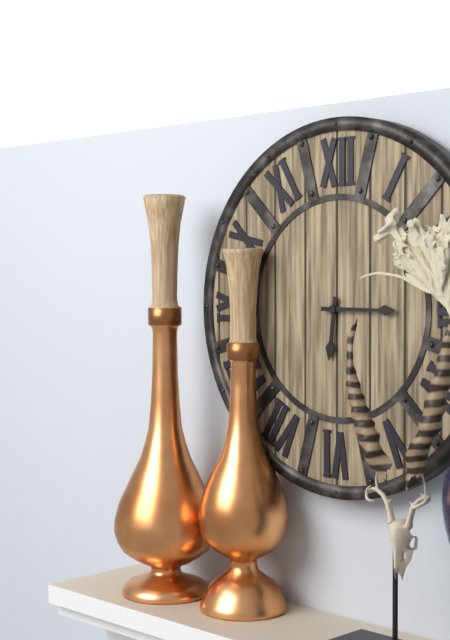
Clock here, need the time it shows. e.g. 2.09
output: 6.15
